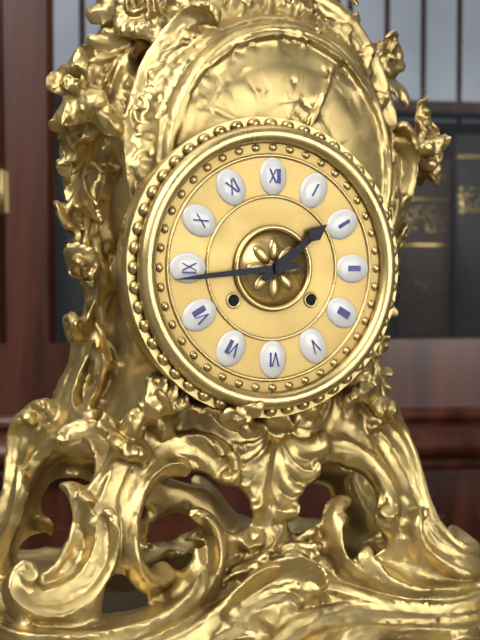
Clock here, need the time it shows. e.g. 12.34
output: 1.44
